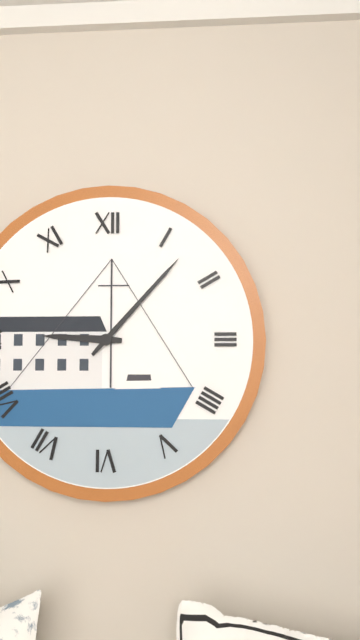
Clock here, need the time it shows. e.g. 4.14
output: 9.07
